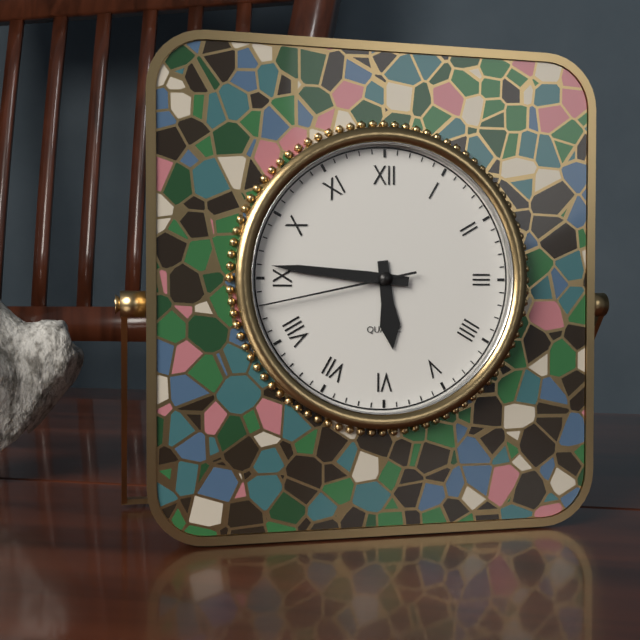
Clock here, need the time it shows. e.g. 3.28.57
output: 5.46.43
